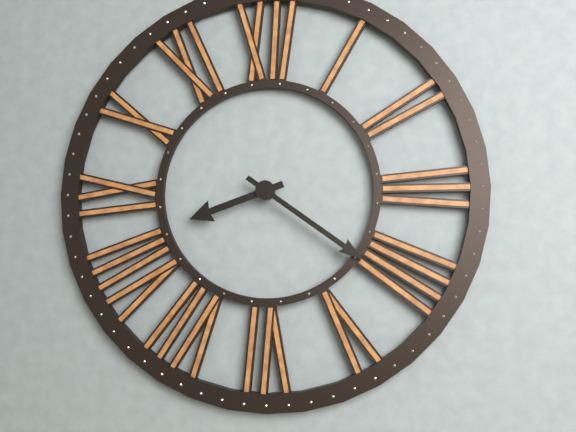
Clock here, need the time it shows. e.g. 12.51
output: 8.21
